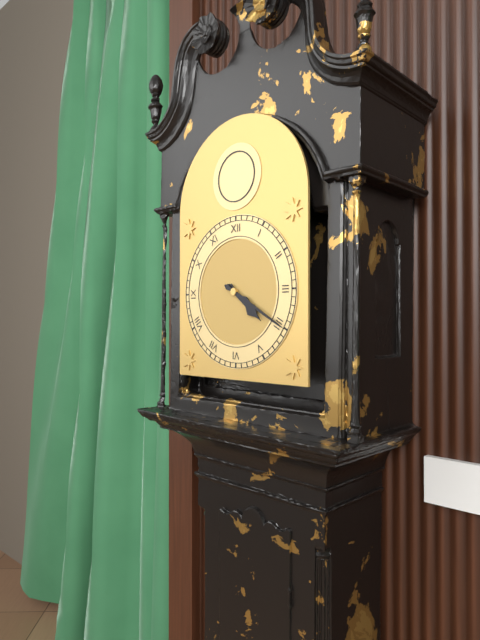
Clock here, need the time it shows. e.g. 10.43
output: 4.20
